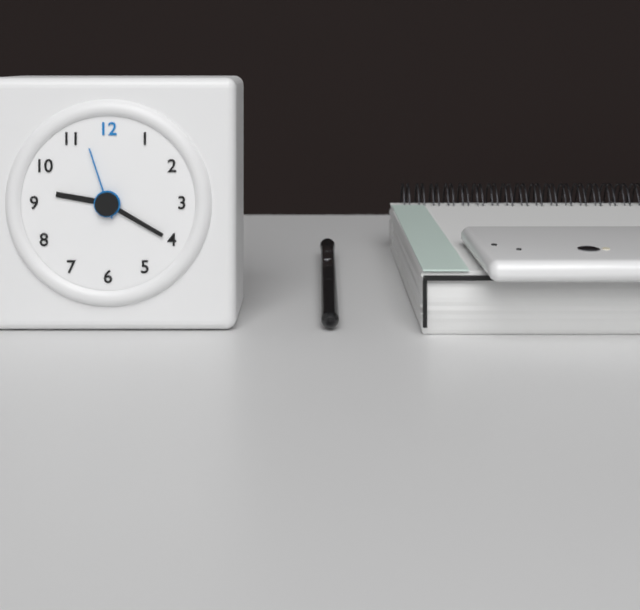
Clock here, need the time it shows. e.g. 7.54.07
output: 9.20.57
